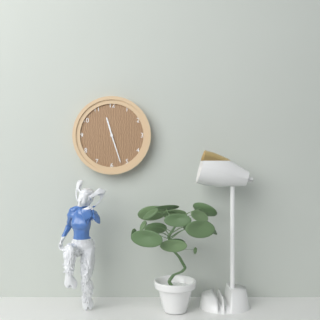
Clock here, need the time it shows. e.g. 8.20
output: 11.27
